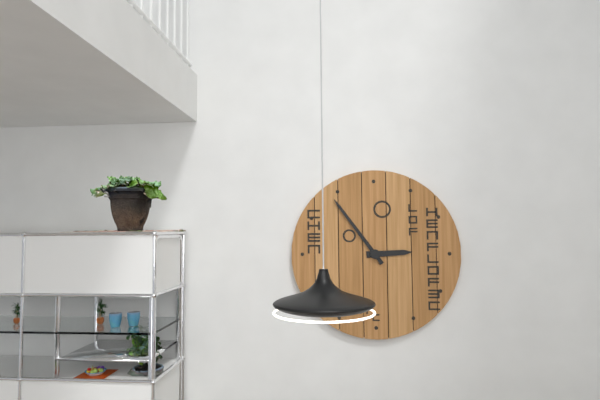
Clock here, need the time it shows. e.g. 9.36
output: 2.54
